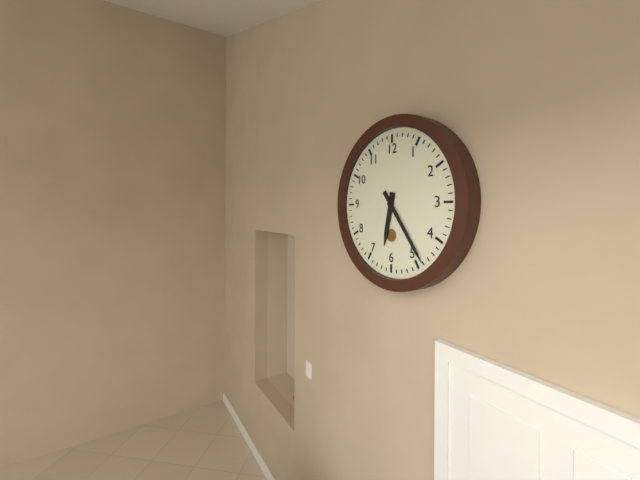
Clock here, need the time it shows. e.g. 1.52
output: 6.24
